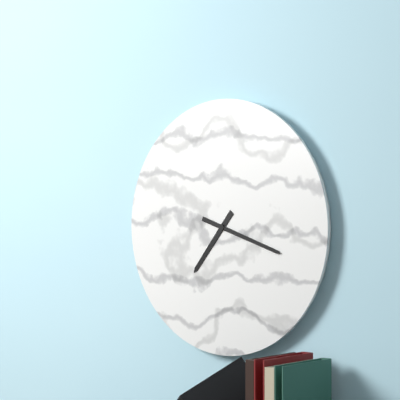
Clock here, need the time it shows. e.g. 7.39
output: 7.18
